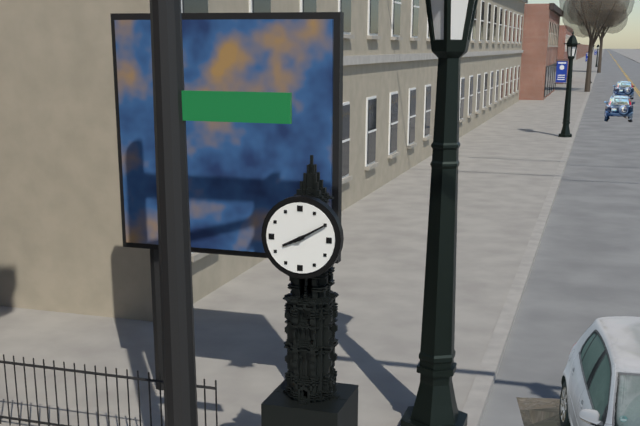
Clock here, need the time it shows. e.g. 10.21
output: 8.10
